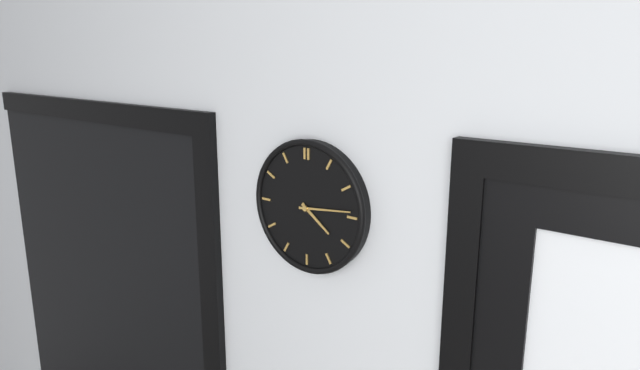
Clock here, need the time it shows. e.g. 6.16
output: 4.14
